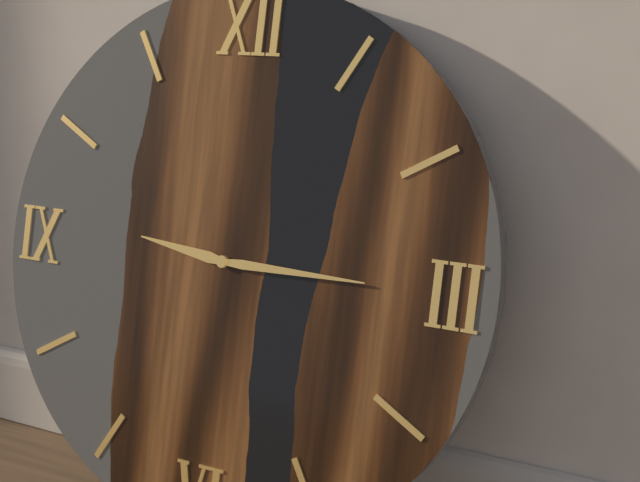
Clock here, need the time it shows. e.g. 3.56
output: 9.15
